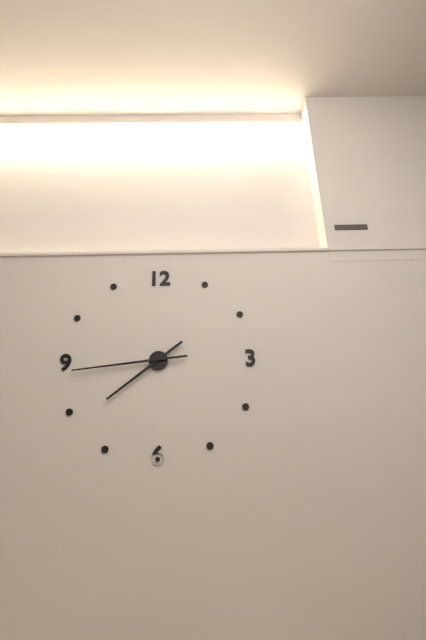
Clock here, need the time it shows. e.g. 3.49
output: 7.44
